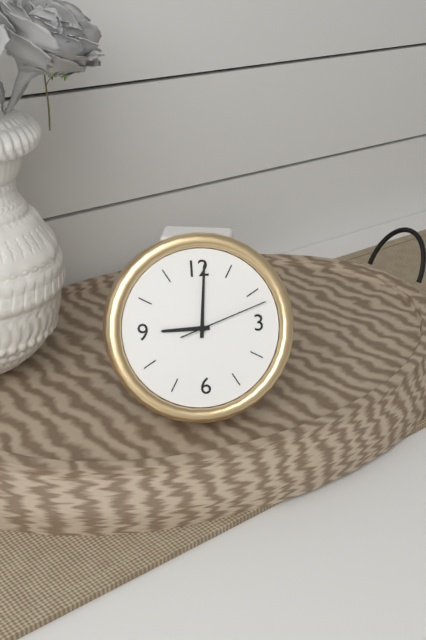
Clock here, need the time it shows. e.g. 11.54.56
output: 9.01.12
